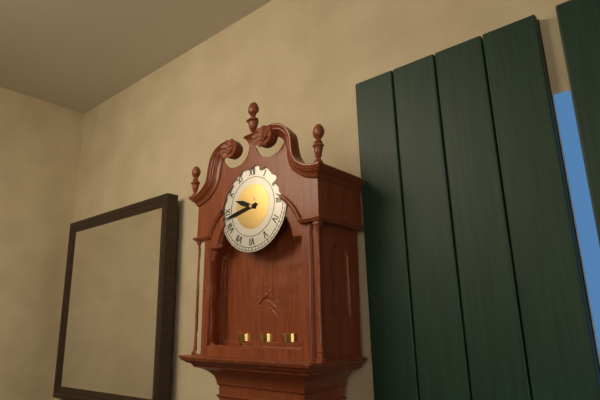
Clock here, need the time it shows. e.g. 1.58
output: 9.43
